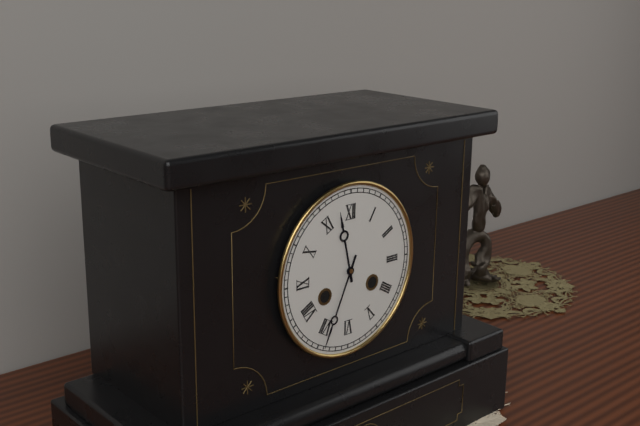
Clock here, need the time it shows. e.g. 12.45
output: 11.34
